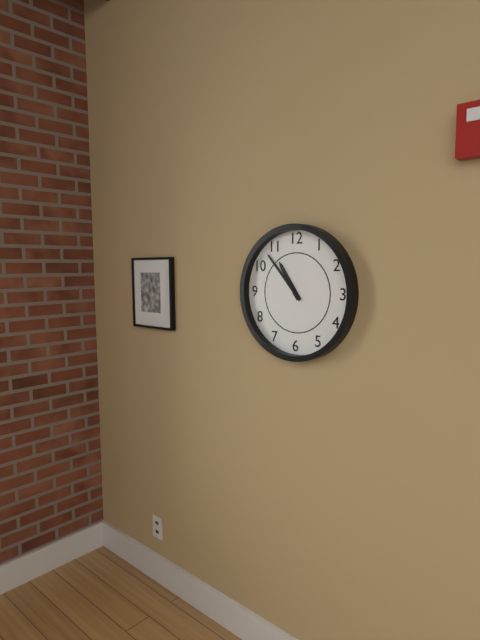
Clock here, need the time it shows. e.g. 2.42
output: 10.53
